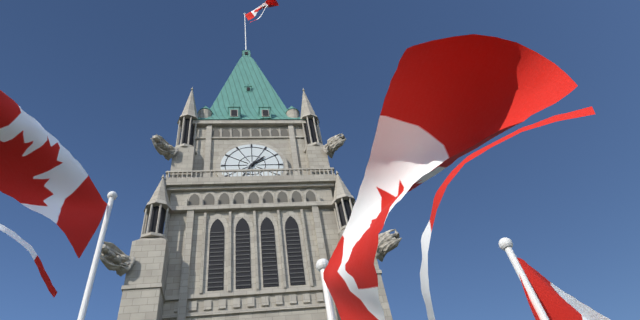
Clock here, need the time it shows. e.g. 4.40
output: 1.35
